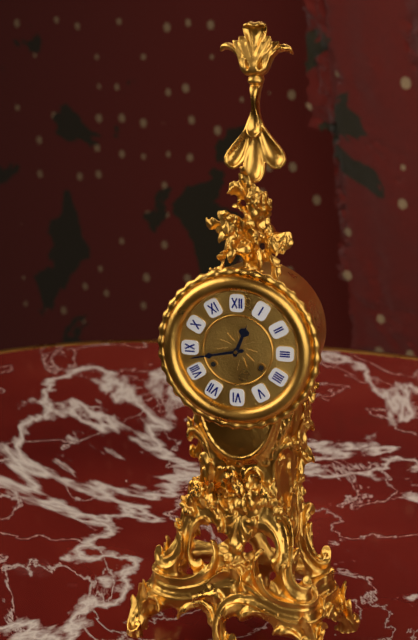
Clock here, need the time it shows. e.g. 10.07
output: 12.43
